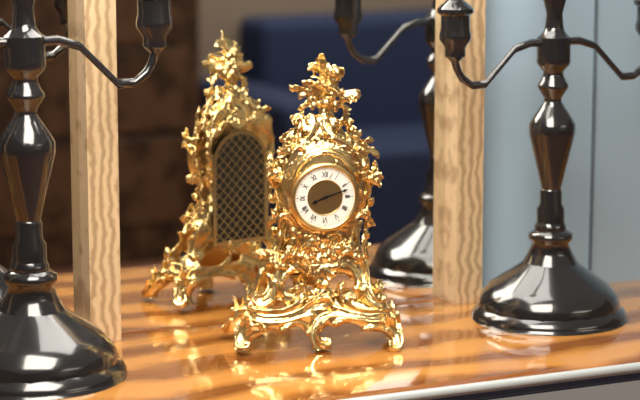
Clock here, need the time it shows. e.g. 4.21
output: 8.12
